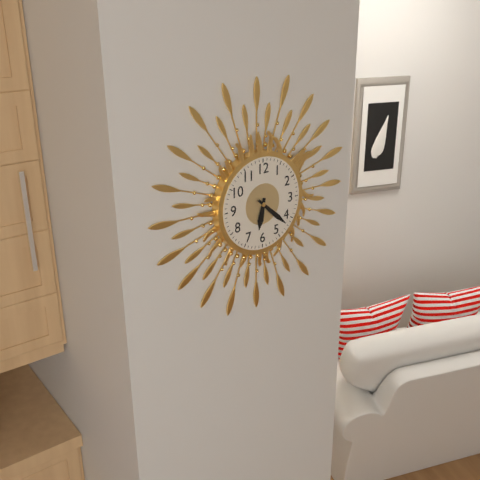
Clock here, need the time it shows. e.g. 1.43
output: 6.22
